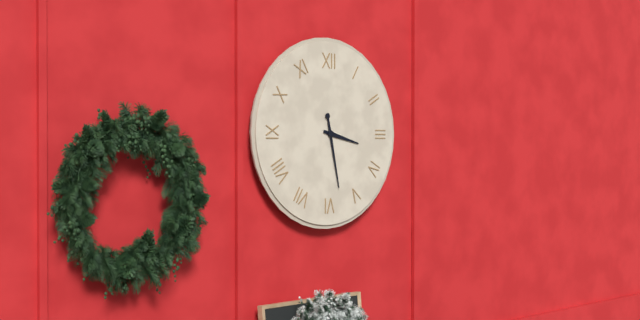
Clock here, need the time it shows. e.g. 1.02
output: 3.28
